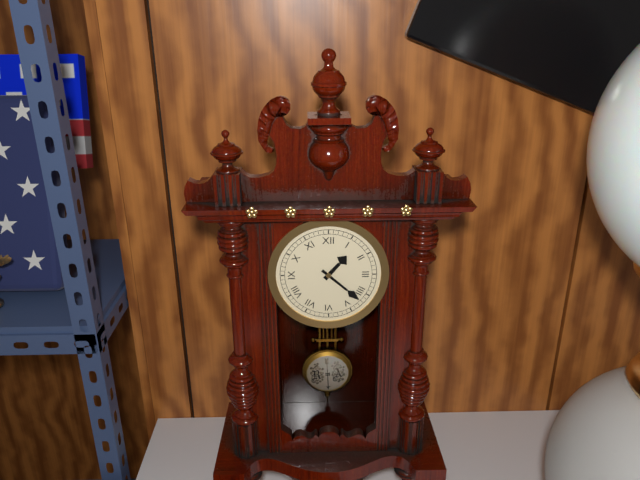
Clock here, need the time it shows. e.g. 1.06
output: 1.22
